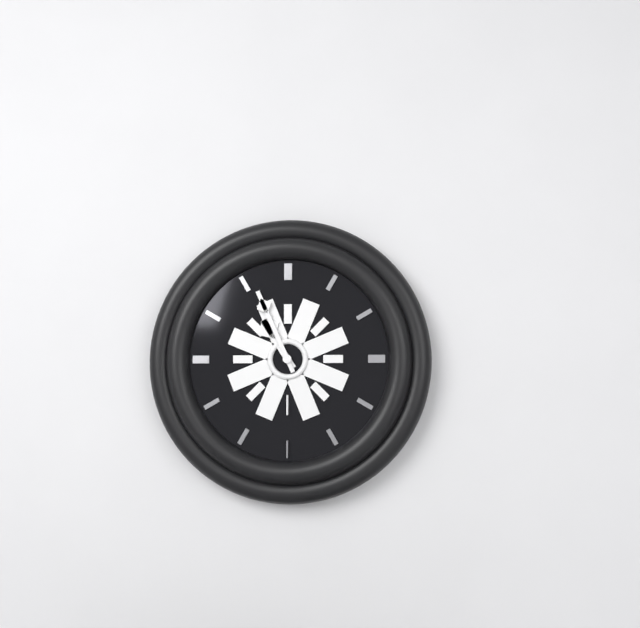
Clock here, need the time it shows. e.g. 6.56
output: 10.56
